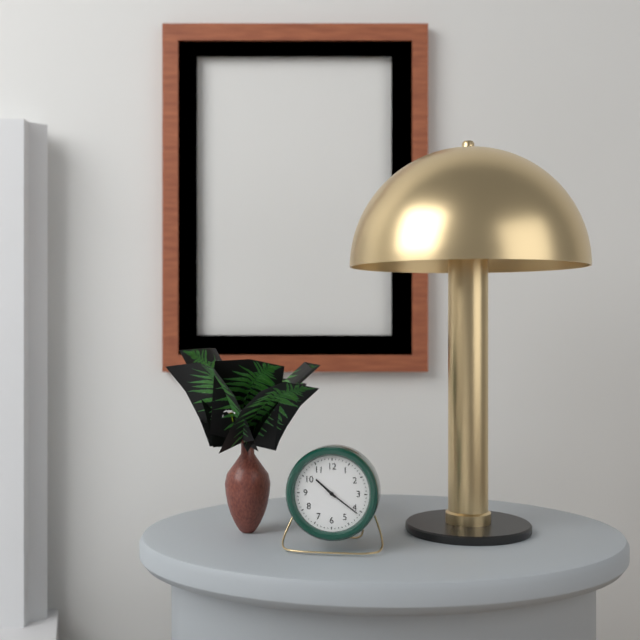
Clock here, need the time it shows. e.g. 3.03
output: 10.21
